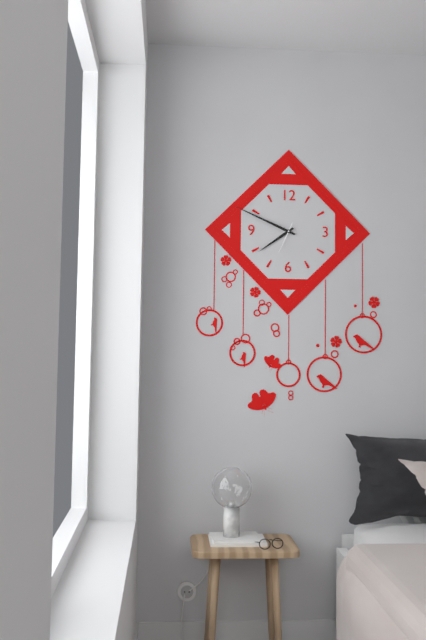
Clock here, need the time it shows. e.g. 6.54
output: 7.49
